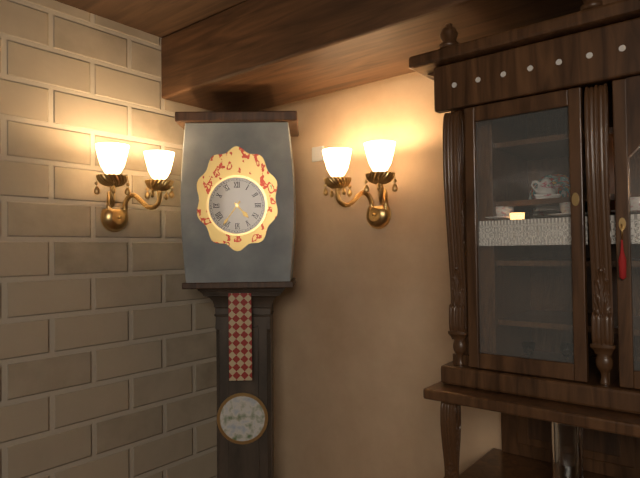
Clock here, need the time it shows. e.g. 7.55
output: 4.36
